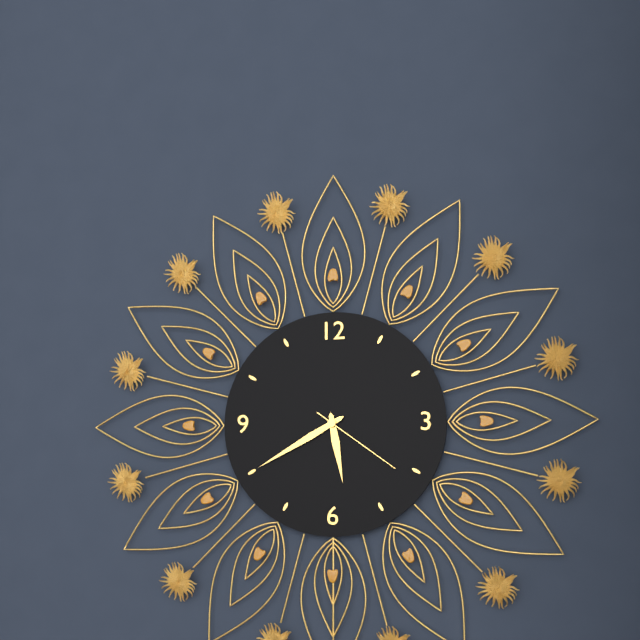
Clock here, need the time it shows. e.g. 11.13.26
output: 5.40.21
